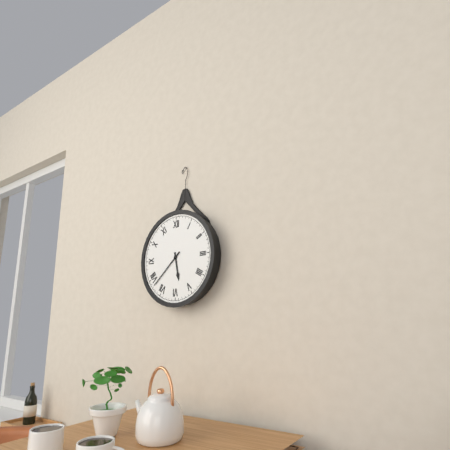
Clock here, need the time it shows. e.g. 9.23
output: 5.38
